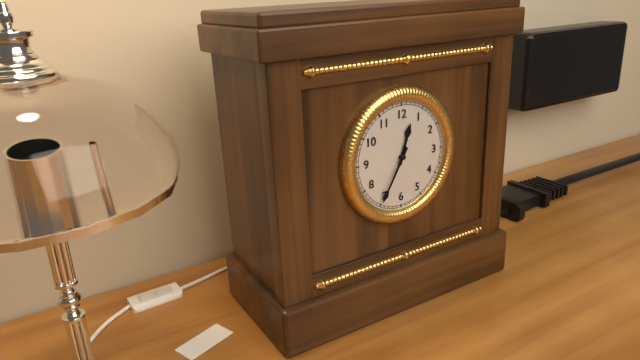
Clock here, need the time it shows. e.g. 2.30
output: 12.35
